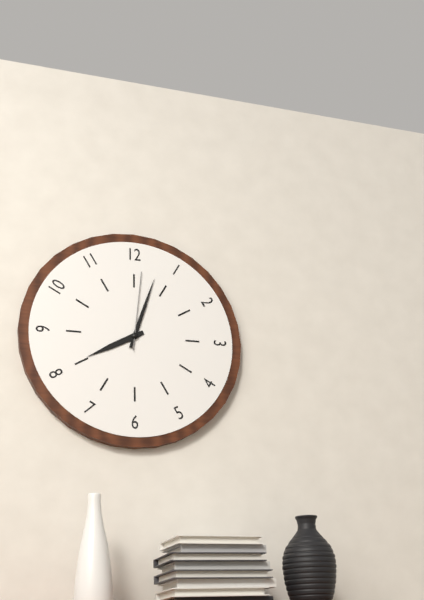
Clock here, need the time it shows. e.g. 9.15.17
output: 8.03.01
